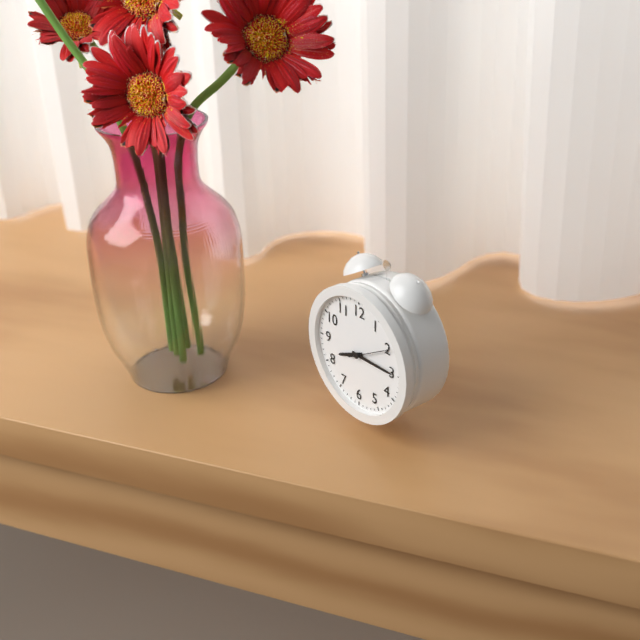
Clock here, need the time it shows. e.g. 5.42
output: 8.15
